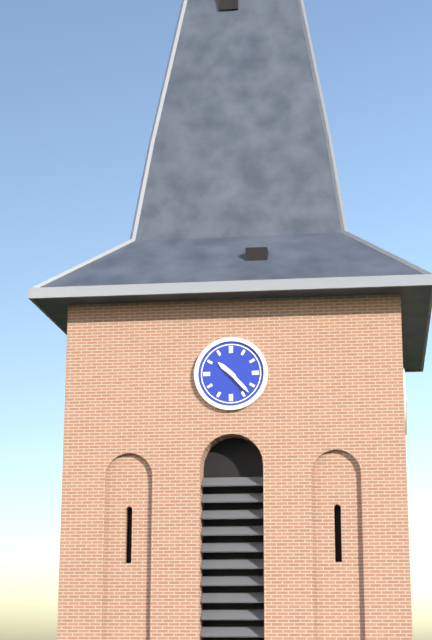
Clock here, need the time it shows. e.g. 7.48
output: 10.23
